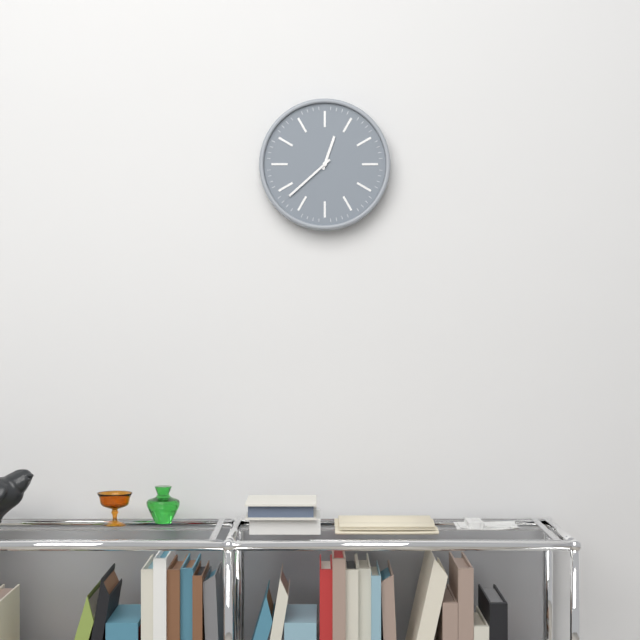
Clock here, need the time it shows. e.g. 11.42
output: 12.38
